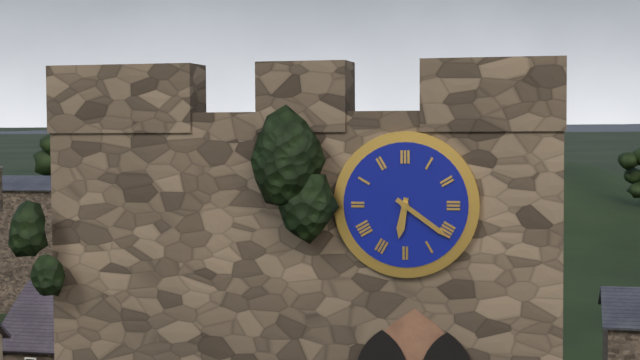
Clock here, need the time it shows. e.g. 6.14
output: 6.21
